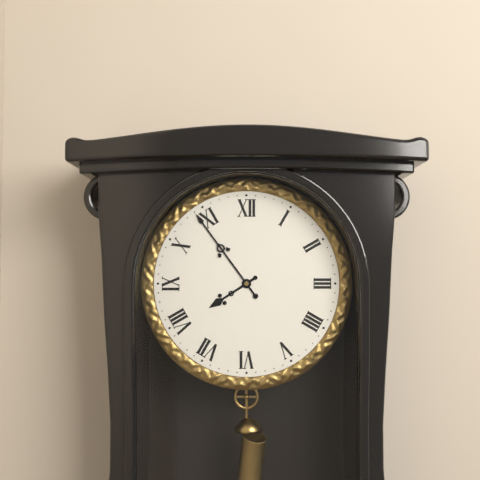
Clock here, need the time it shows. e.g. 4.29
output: 7.54
